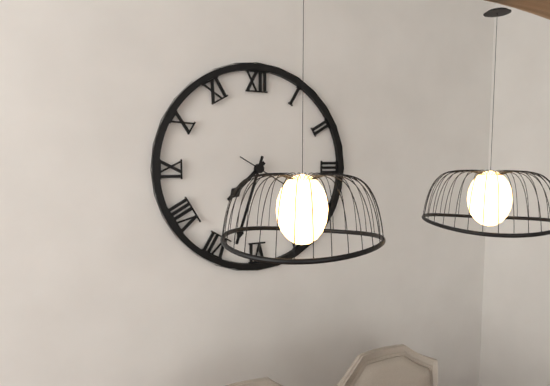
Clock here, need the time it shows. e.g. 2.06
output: 7.33
